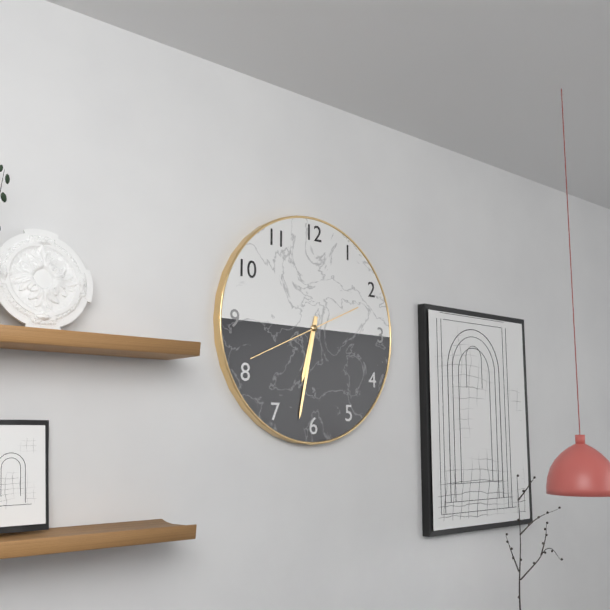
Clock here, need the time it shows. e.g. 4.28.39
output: 6.32.41
